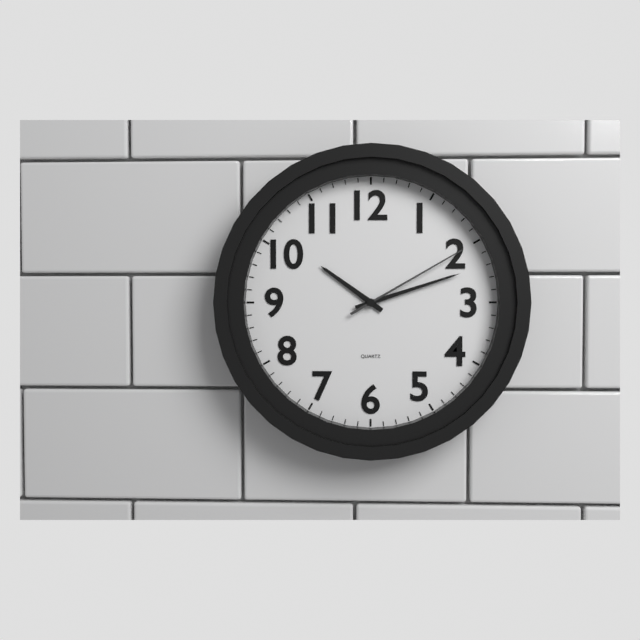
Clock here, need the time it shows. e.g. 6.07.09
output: 10.12.10
